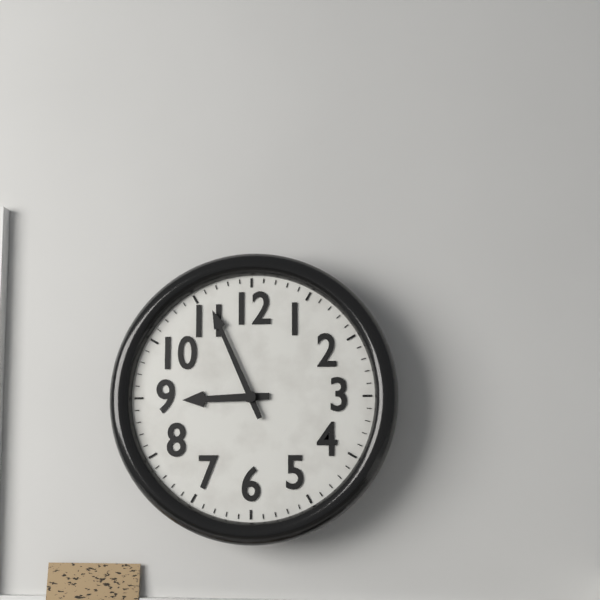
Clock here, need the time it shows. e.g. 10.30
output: 8.56
